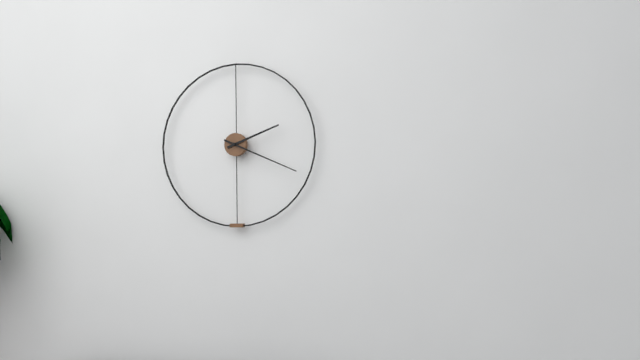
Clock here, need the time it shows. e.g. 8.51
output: 2.19
